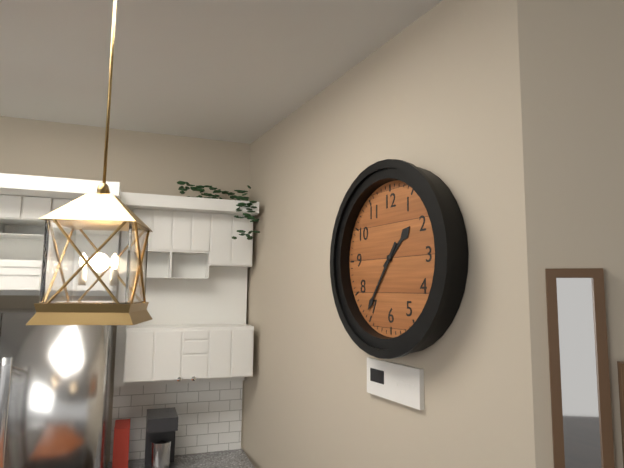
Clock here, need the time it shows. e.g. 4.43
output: 1.36
